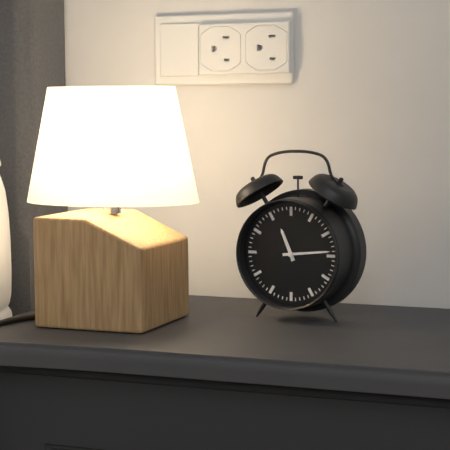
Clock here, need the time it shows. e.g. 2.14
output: 11.14
